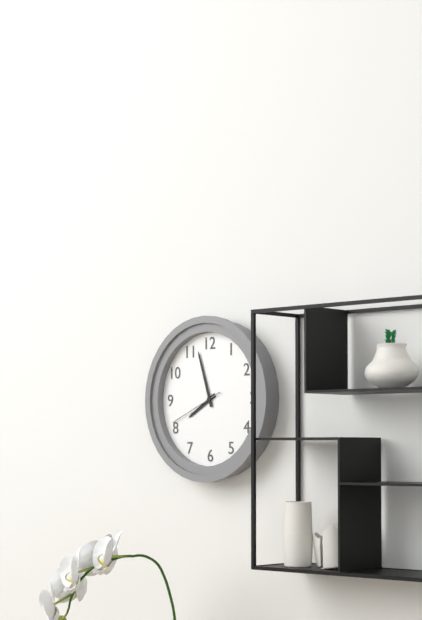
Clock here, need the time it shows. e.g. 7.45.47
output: 7.57.41
